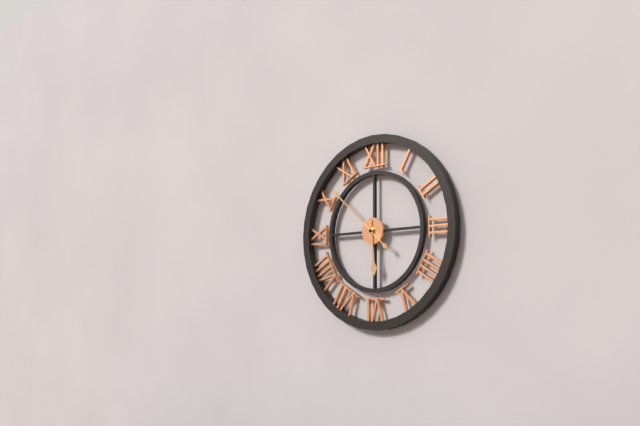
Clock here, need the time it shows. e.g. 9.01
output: 5.52
